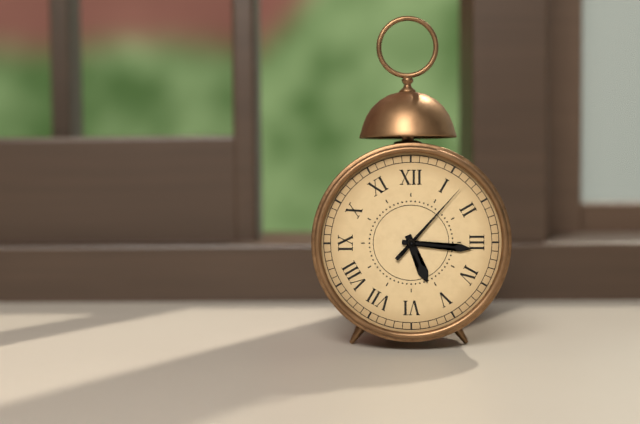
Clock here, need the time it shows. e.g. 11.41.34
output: 5.16.07
